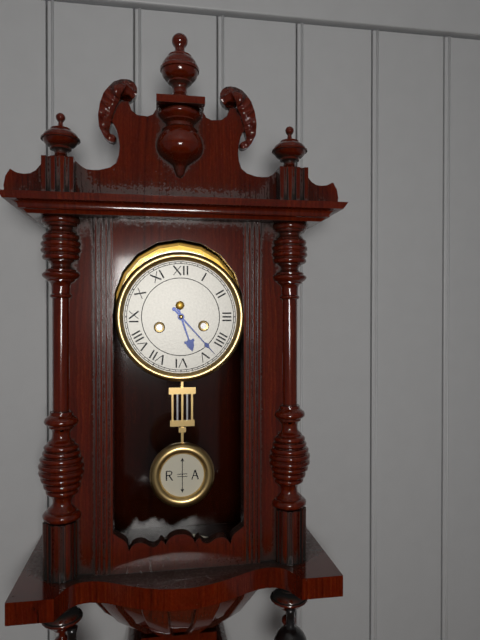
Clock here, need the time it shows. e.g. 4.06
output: 5.23
